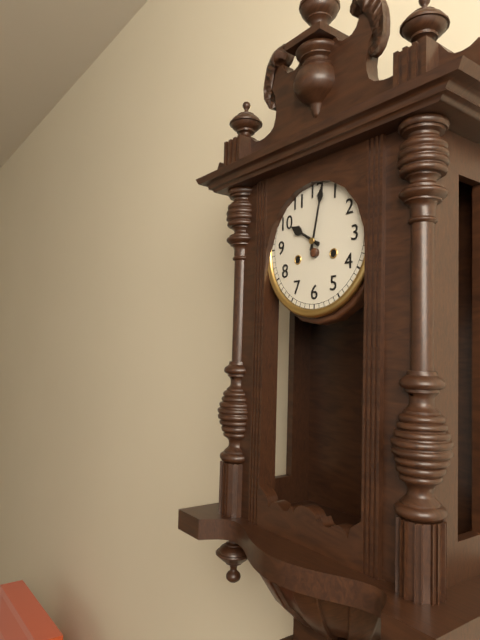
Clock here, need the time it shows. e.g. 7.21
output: 10.02
